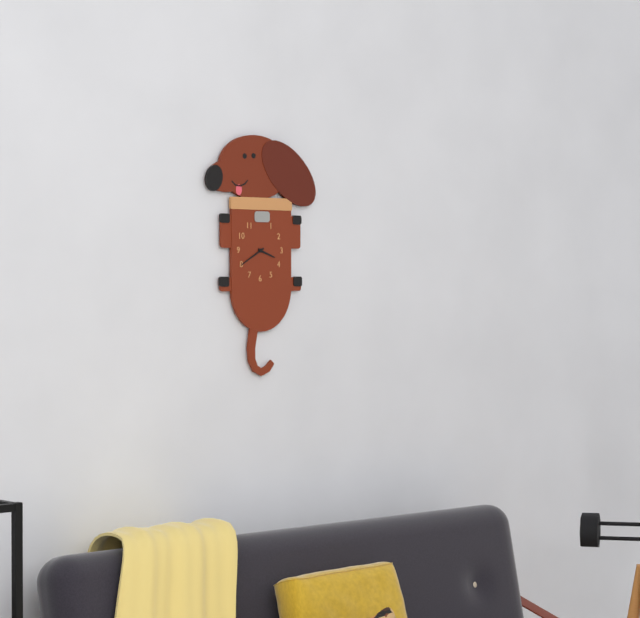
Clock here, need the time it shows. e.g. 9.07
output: 3.40
